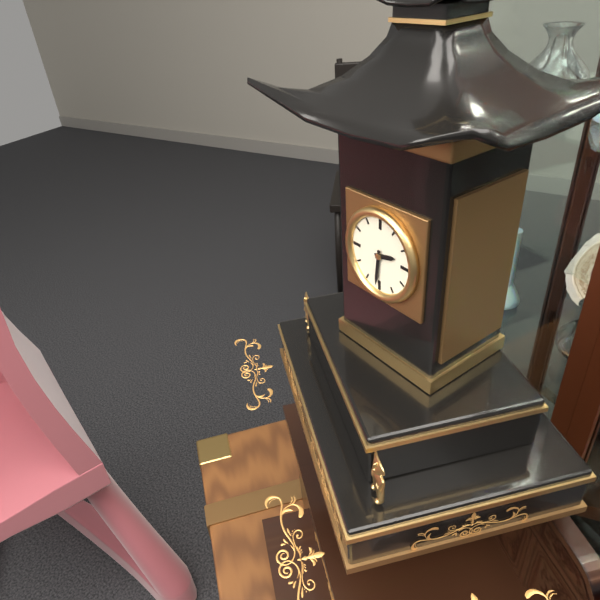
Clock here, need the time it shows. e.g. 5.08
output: 2.31
